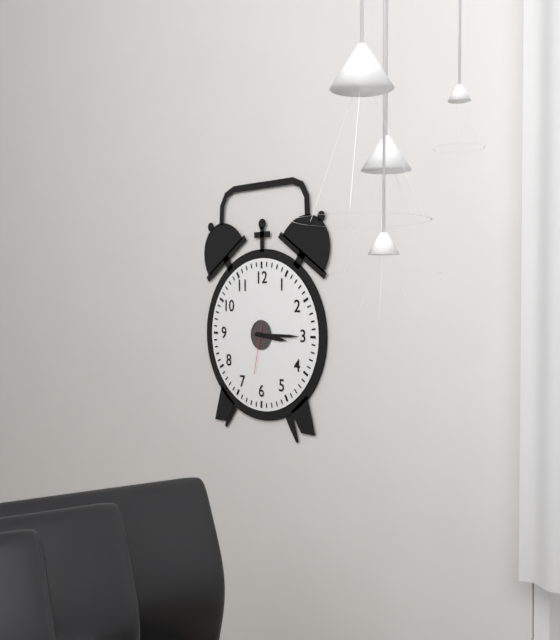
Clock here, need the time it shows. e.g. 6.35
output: 3.15
